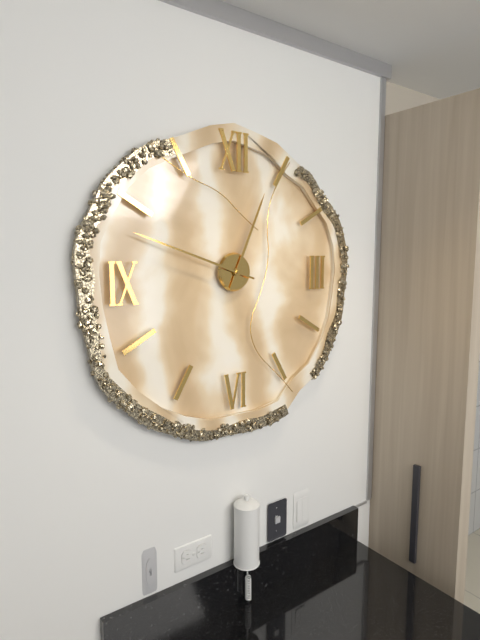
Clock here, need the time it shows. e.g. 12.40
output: 12.48
